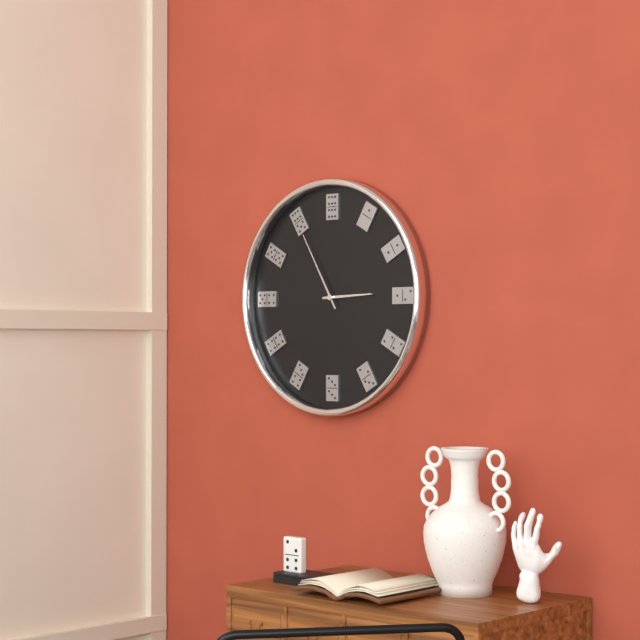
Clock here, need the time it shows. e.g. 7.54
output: 2.55
